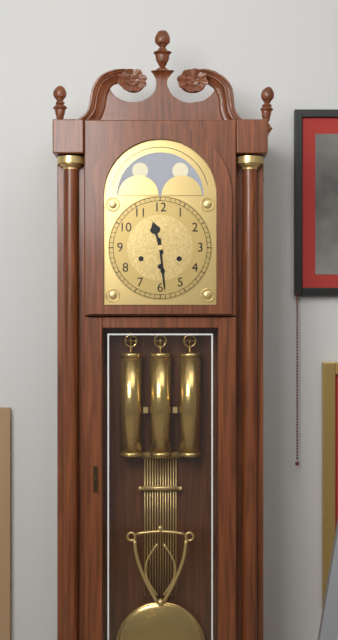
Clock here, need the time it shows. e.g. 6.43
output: 11.29
